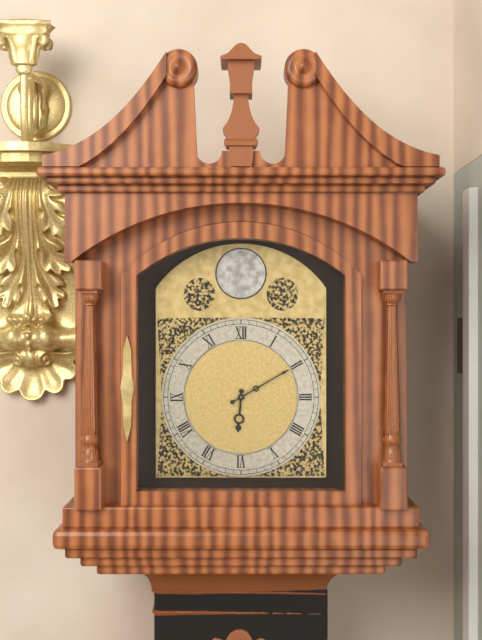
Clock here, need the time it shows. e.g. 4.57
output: 6.10
